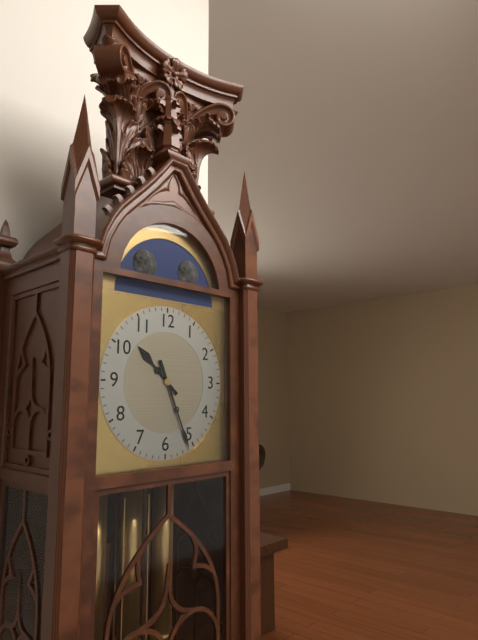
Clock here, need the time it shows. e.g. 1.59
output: 10.26
